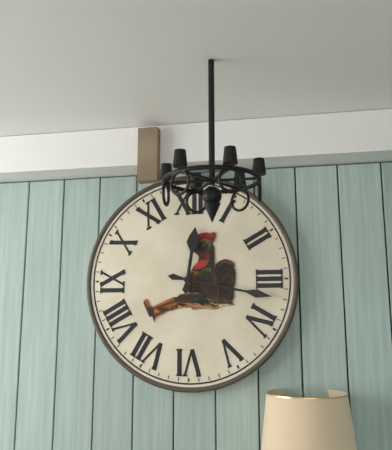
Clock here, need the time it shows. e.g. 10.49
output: 12.17
